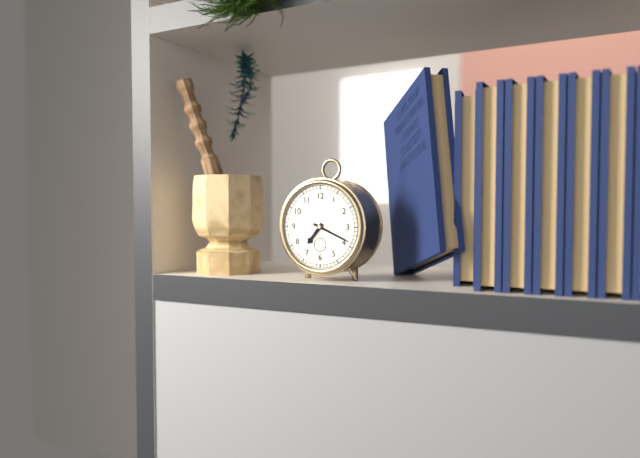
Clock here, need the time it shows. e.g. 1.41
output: 7.19
